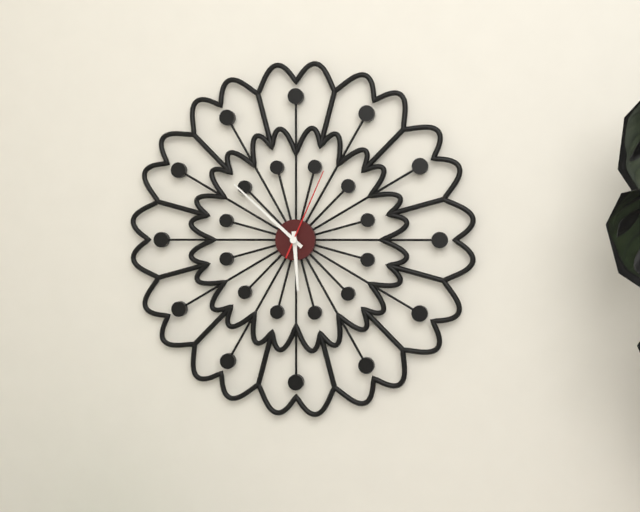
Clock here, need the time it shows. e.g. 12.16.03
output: 5.52.04
